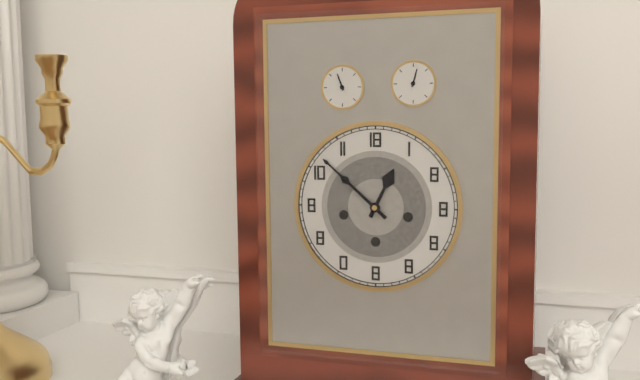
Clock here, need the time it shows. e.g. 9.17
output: 12.52
